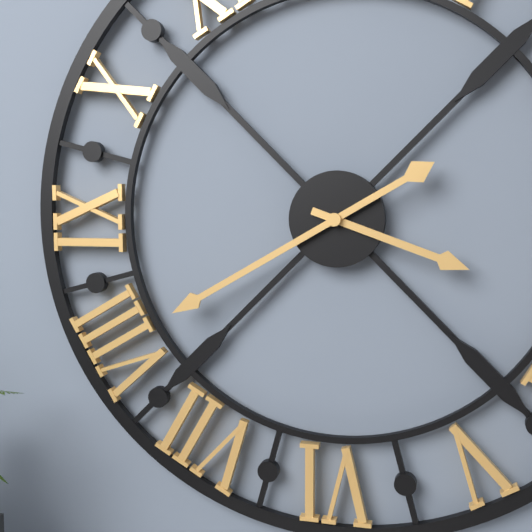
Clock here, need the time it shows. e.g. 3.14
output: 3.40
